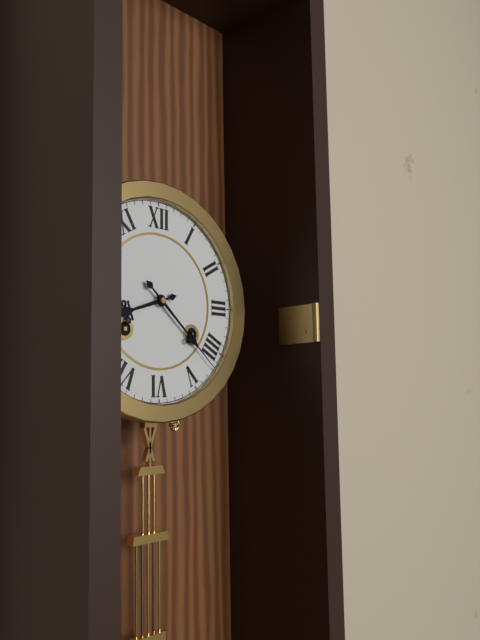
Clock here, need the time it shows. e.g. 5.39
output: 8.22
